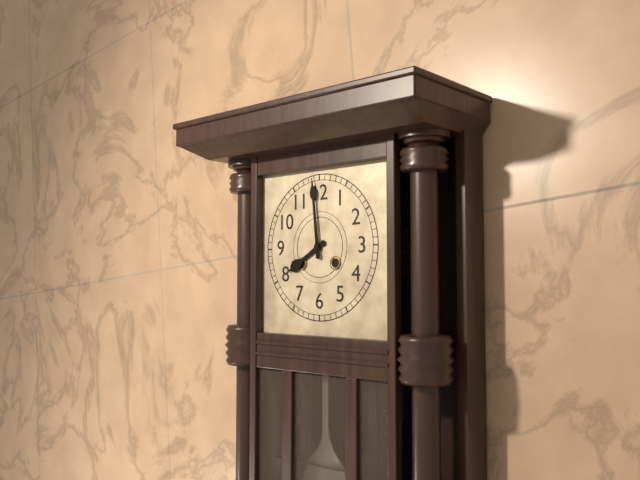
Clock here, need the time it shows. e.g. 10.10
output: 7.59
